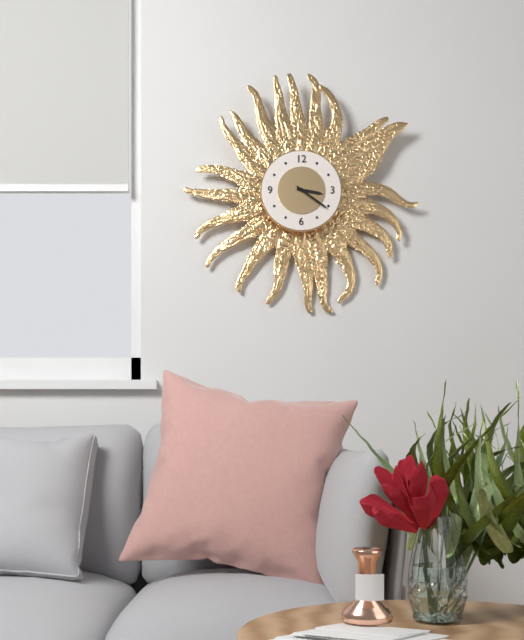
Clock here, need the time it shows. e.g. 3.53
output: 3.21
